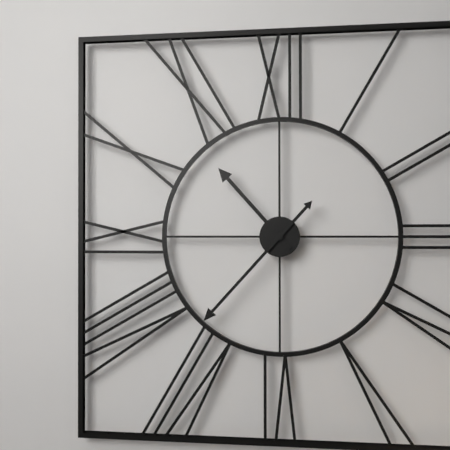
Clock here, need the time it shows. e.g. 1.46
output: 10.37
